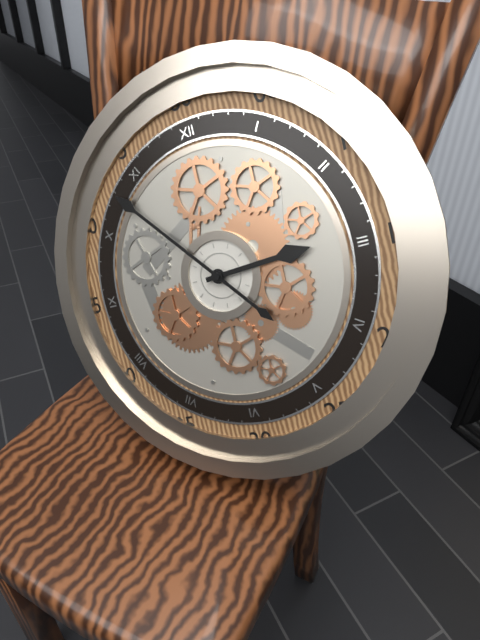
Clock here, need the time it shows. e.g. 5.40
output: 2.53
